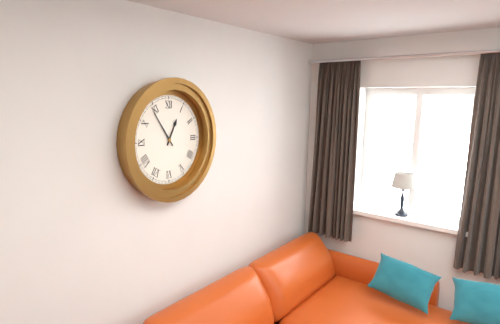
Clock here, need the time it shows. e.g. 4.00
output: 12.54
